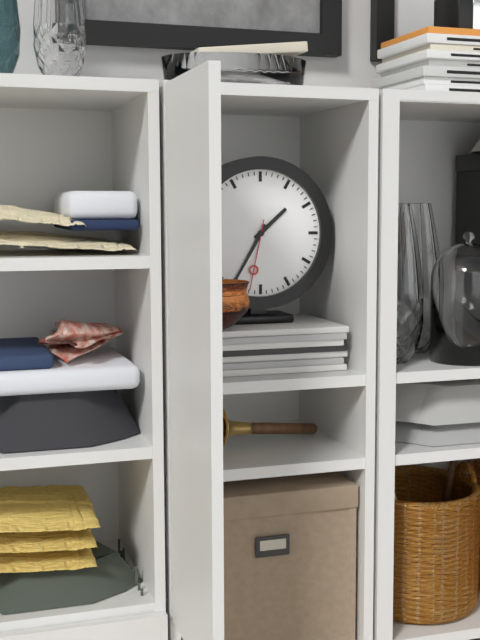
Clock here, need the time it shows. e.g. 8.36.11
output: 1.35.32
